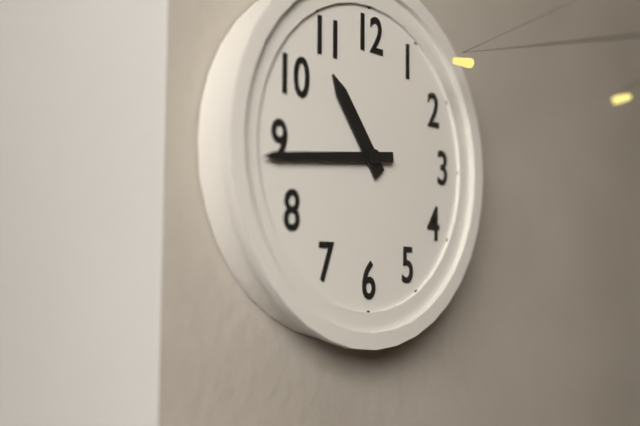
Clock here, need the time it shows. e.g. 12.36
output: 10.44
